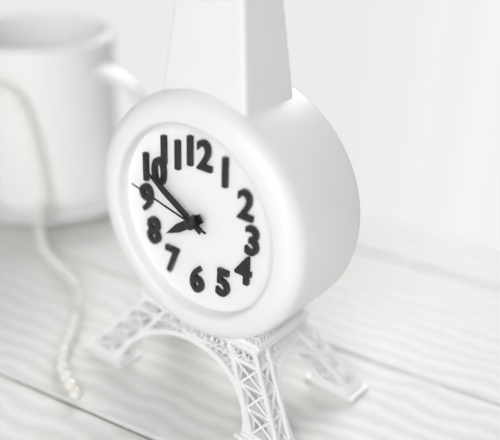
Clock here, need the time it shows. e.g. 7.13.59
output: 7.50.47
